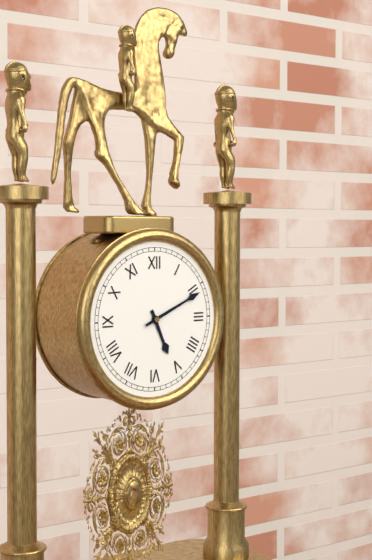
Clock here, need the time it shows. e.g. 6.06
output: 5.11
